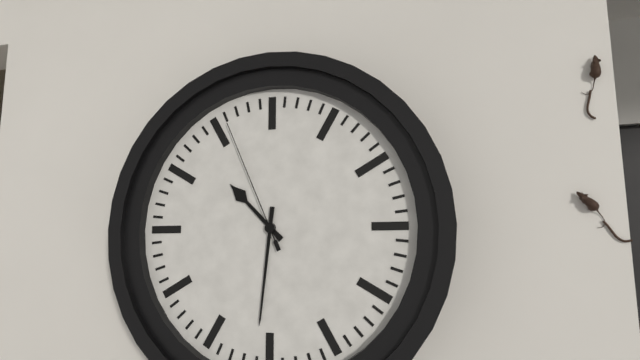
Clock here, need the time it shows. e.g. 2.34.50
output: 10.31.56
